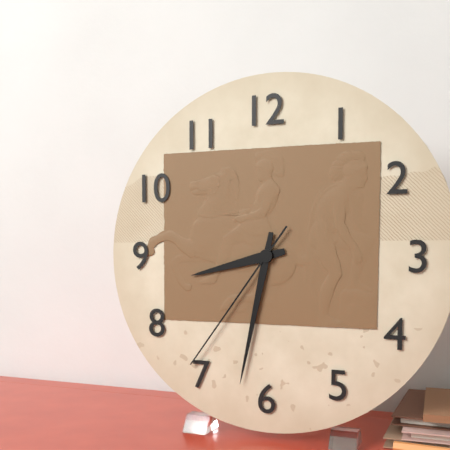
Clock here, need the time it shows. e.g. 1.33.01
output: 8.32.36
